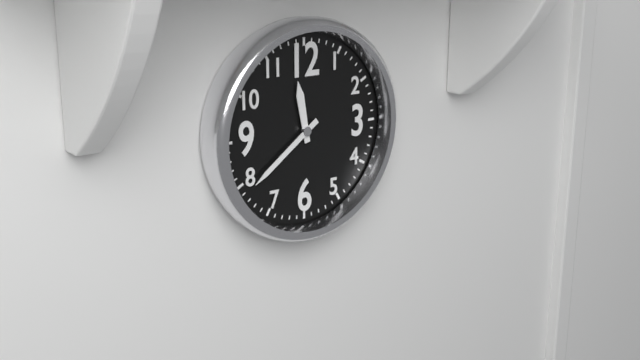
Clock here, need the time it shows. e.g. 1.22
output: 11.39
